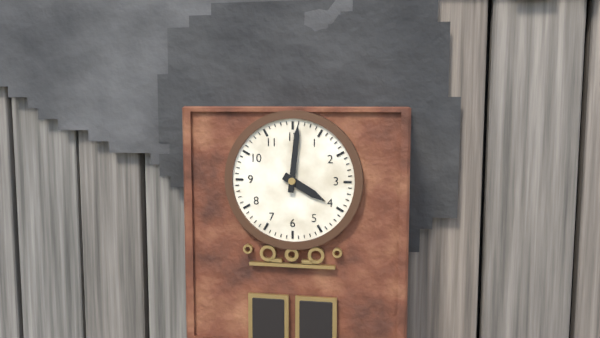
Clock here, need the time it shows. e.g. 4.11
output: 4.01
